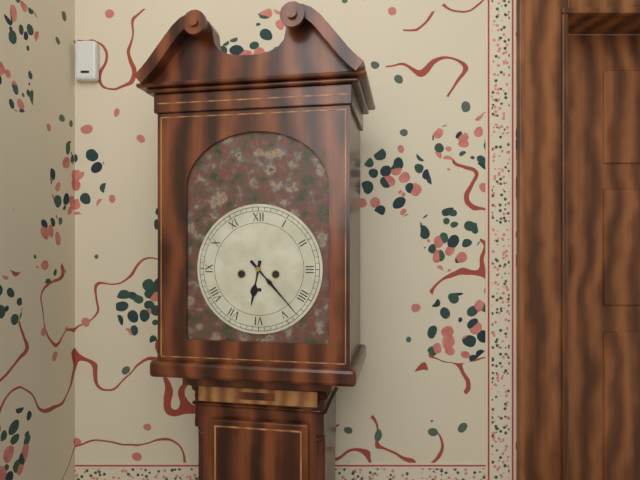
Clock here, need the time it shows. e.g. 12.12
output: 6.23
